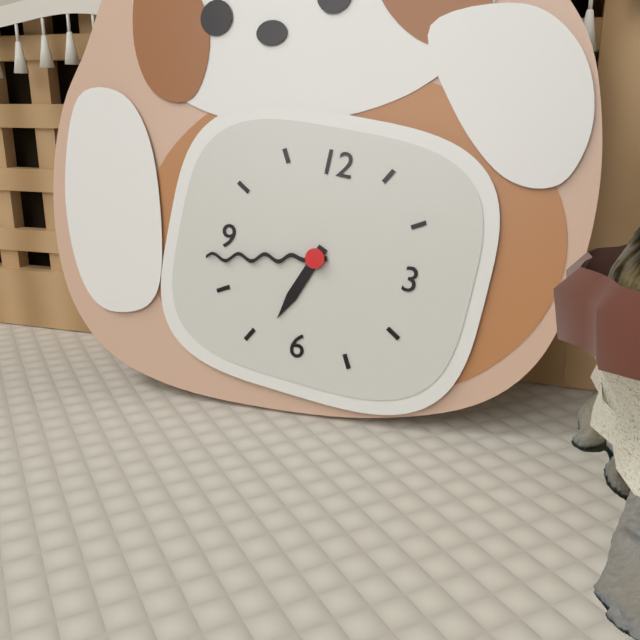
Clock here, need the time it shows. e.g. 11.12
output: 6.43
